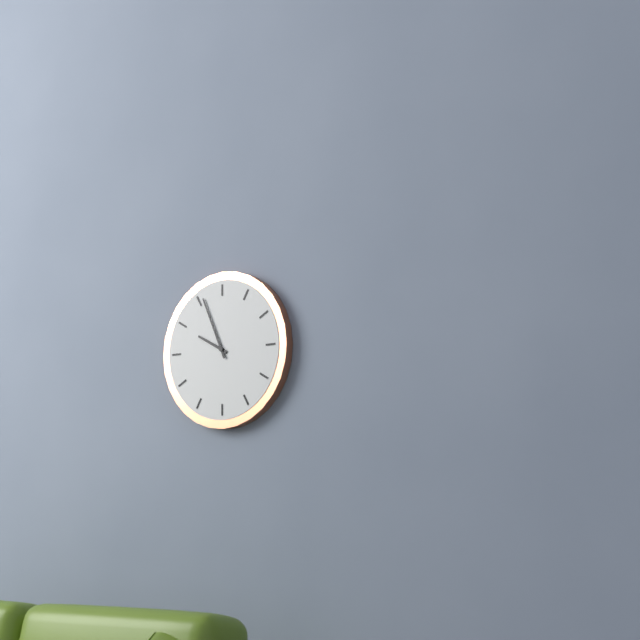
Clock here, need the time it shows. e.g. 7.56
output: 9.56
